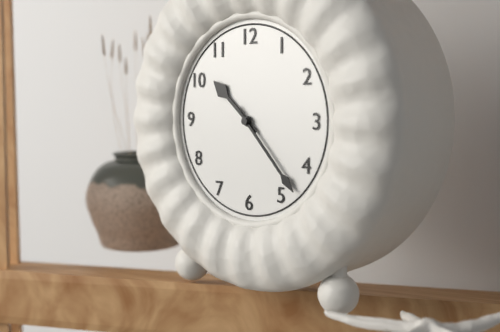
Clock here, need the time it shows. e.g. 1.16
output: 10.23
